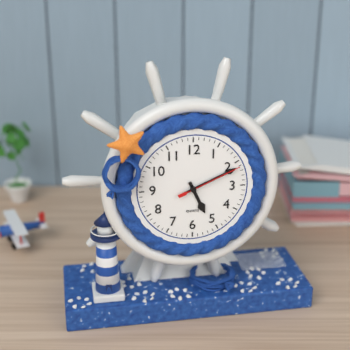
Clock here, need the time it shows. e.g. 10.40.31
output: 5.11.11
